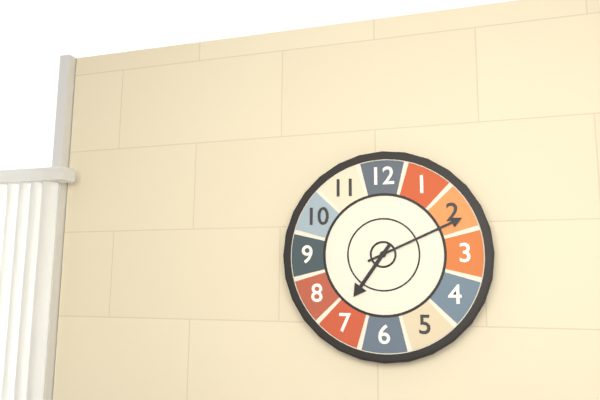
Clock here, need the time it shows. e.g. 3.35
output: 7.11
